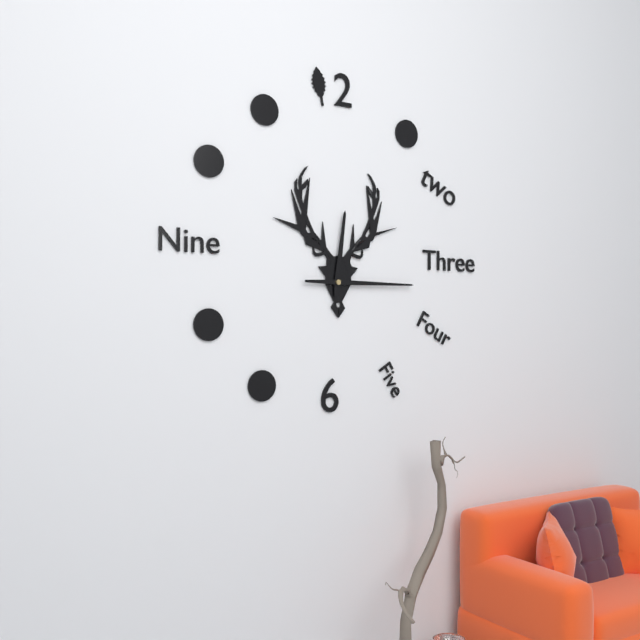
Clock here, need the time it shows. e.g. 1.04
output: 12.15
